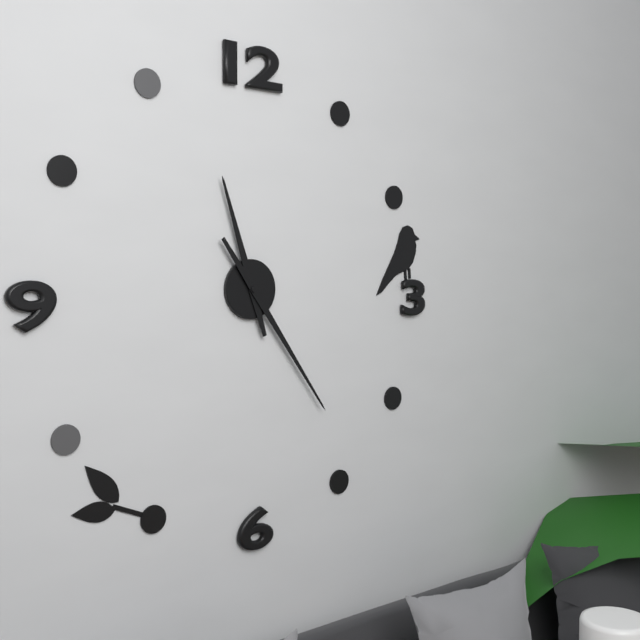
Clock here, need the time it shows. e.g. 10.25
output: 11.24
